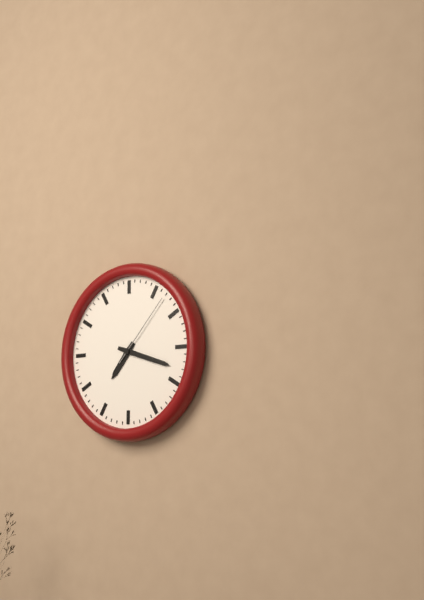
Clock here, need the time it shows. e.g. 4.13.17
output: 7.18.07
